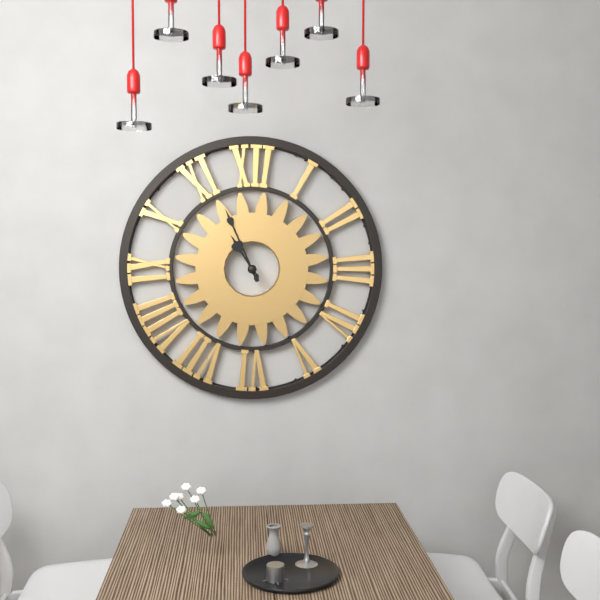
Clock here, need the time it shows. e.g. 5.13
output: 10.56
